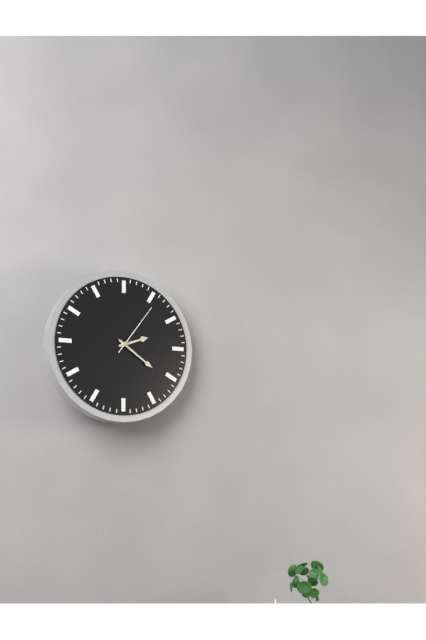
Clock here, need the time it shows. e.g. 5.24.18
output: 2.21.06
